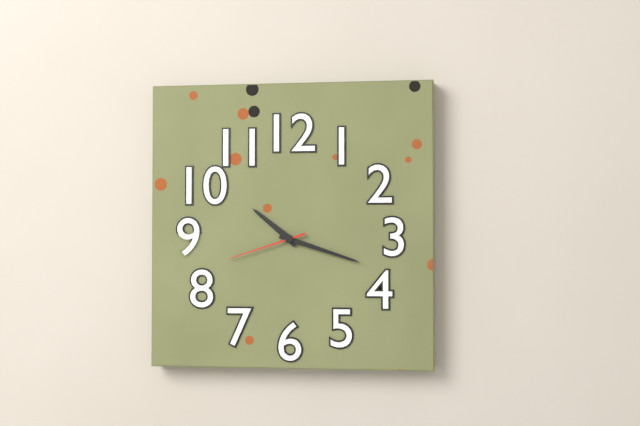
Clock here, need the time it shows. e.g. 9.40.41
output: 10.18.42
